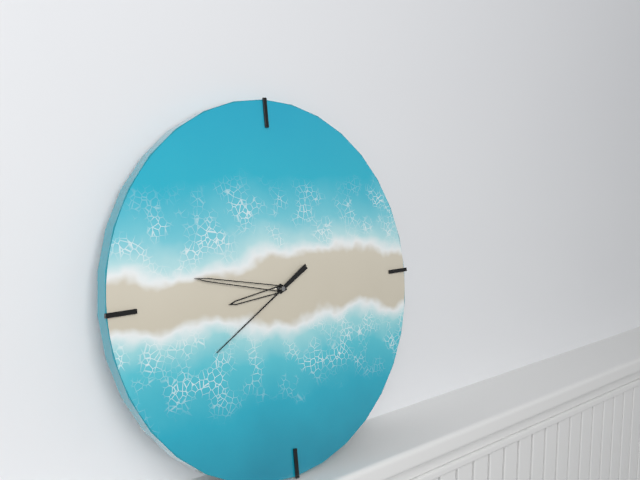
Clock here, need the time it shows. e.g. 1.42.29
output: 8.47.40
